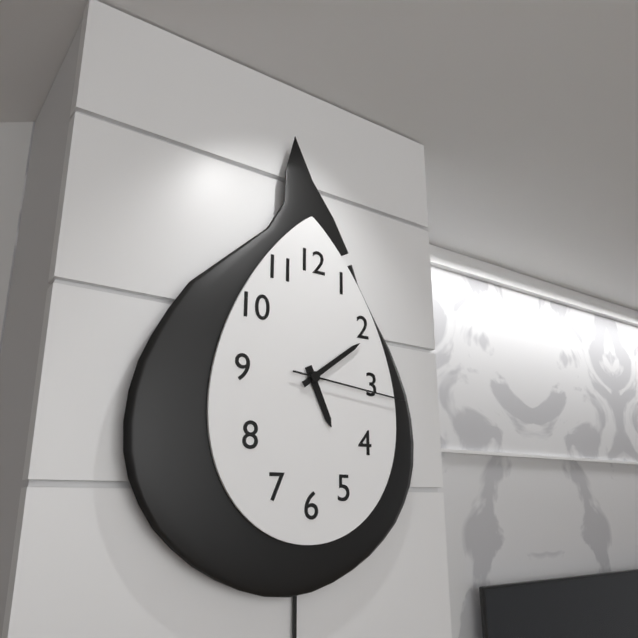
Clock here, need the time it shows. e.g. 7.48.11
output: 5.09.16
